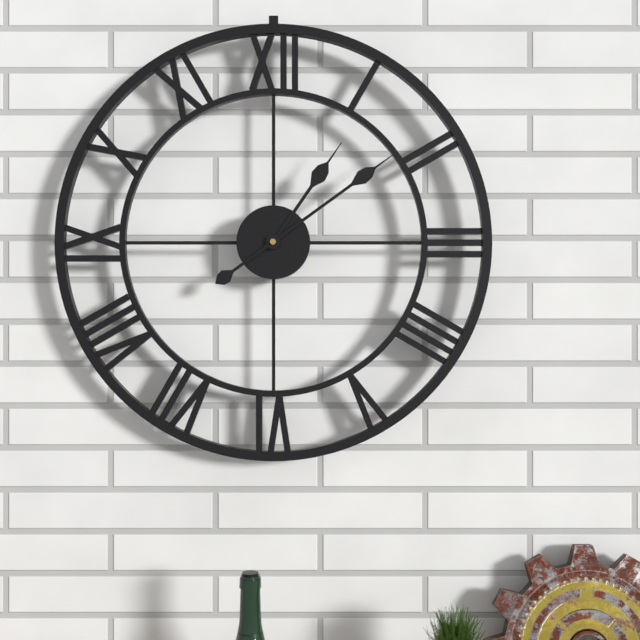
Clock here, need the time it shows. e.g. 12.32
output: 1.09
